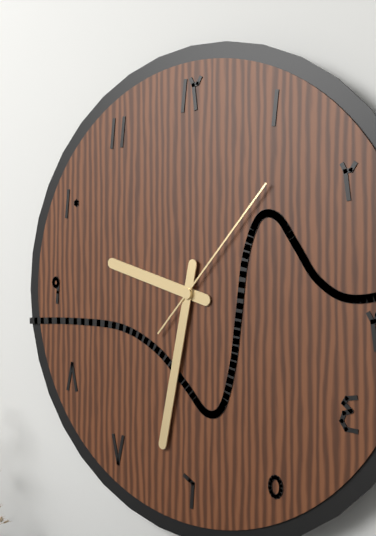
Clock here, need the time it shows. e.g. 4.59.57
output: 9.32.07
